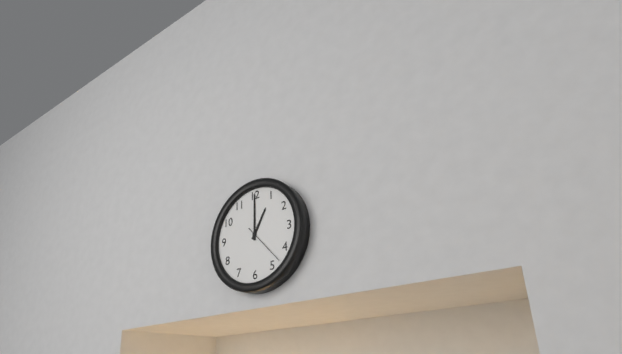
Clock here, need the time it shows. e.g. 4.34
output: 1.00
